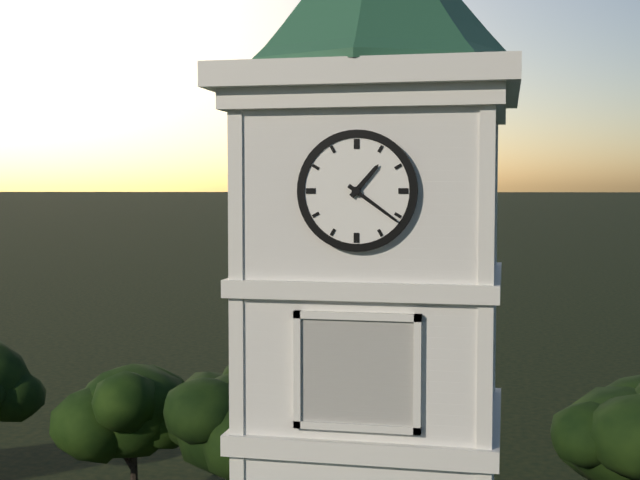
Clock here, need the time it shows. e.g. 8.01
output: 1.21
